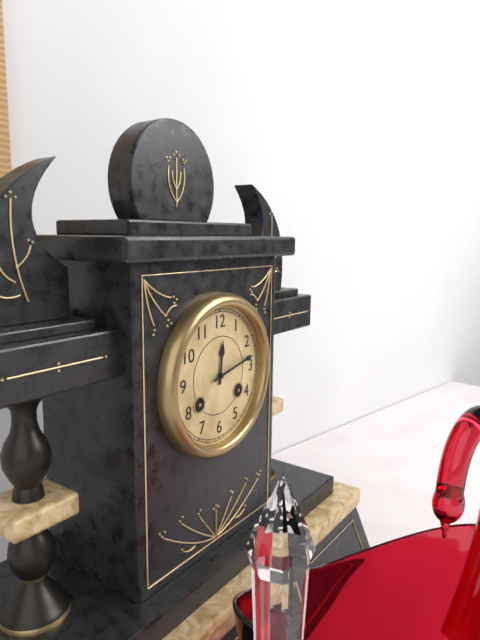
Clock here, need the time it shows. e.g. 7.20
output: 12.13
